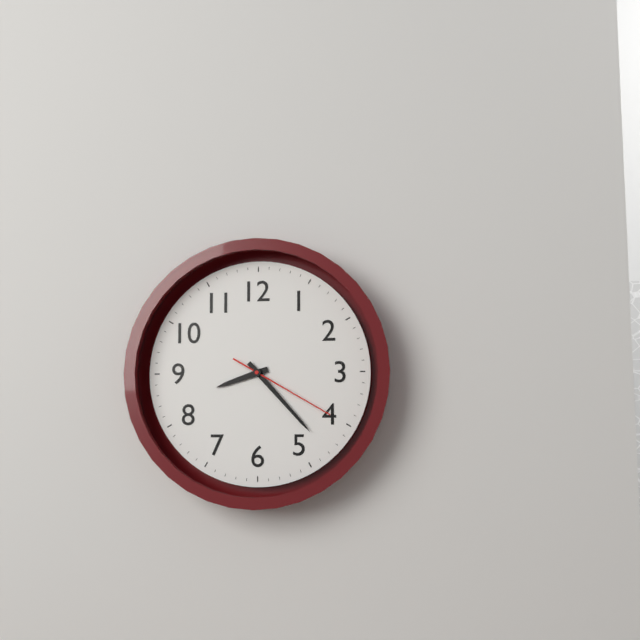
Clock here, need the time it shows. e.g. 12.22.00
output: 8.23.20
